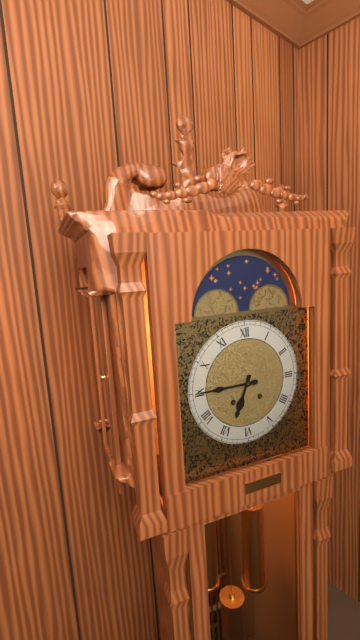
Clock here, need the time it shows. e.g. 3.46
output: 6.45
